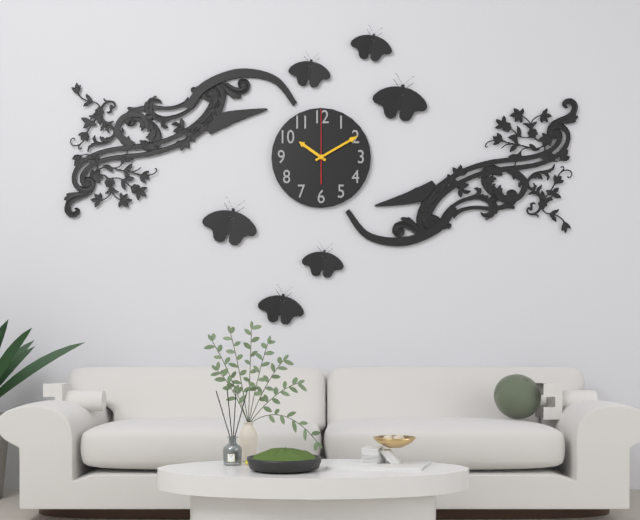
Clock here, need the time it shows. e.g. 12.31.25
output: 10.10.00
